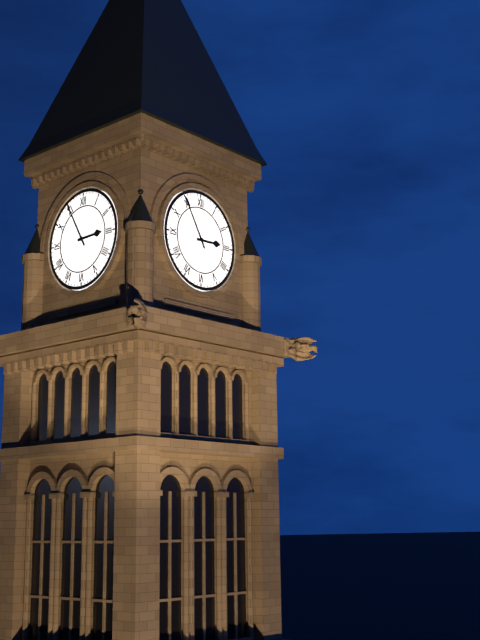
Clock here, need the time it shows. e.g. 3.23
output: 2.55
